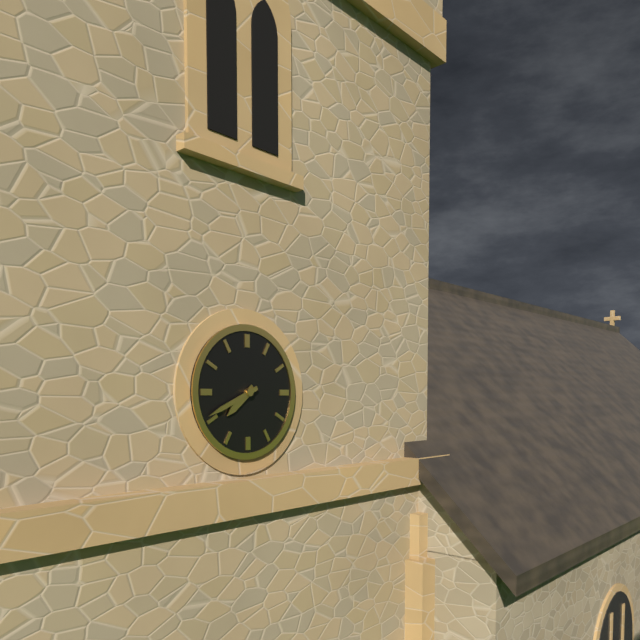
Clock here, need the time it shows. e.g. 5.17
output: 7.41
